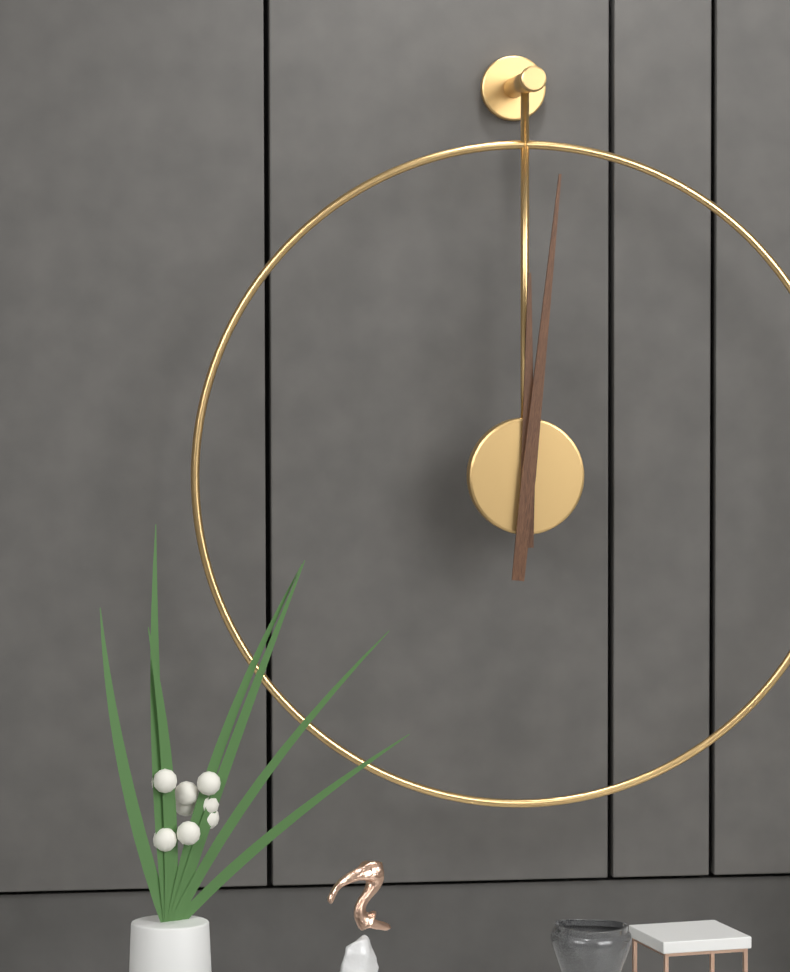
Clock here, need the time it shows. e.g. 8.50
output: 12.01
